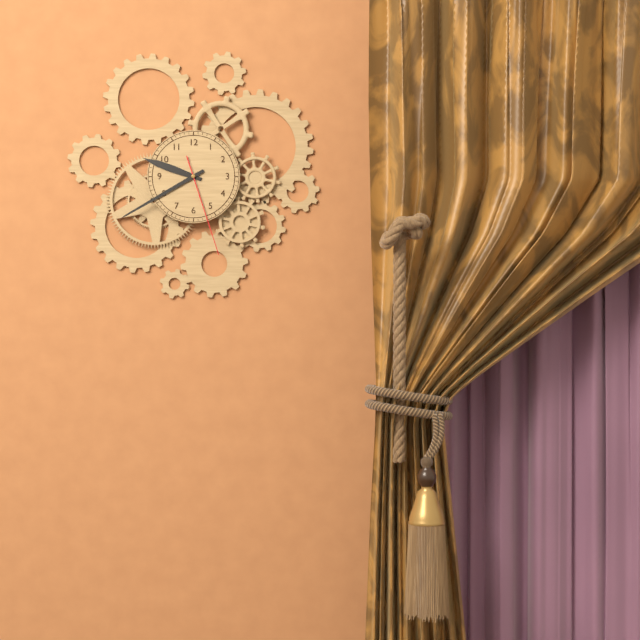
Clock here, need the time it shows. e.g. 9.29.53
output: 9.40.27
